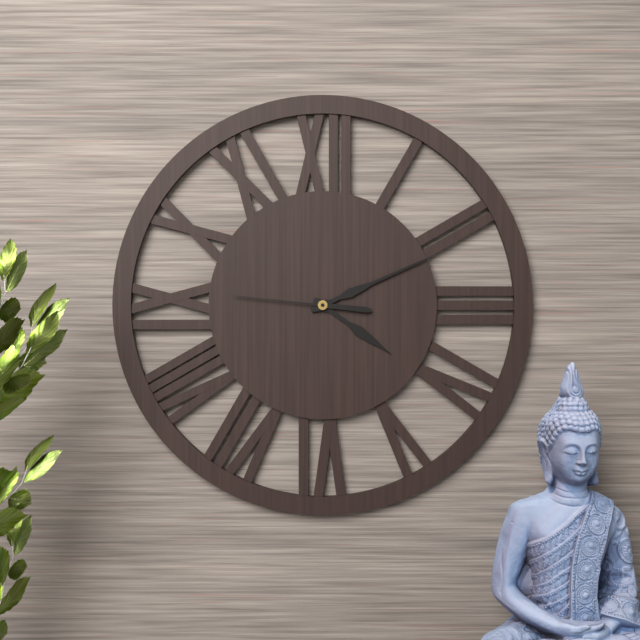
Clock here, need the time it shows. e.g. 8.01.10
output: 4.11.46
